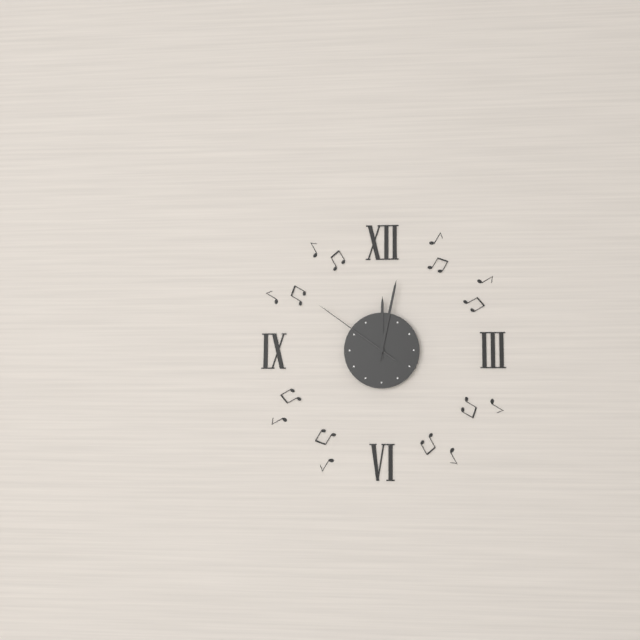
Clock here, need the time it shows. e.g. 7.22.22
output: 12.02.51
